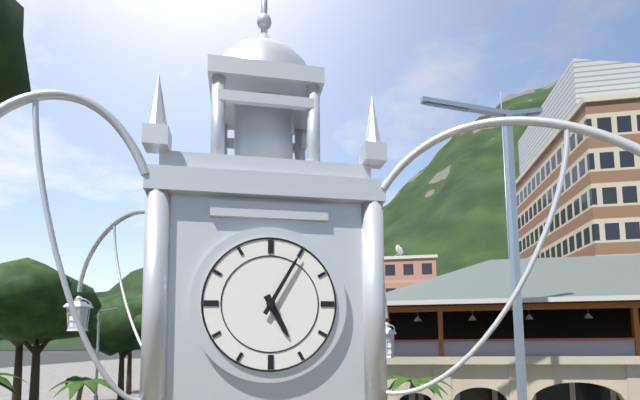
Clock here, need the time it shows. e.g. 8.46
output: 5.05
